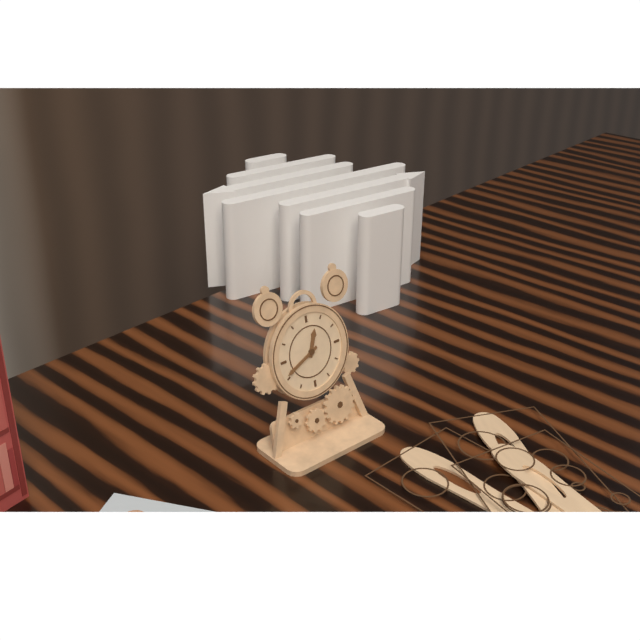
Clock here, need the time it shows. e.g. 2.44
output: 12.41
